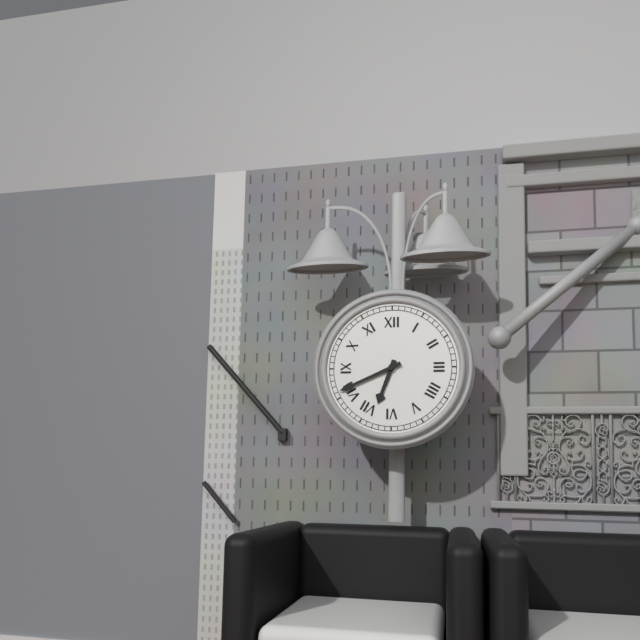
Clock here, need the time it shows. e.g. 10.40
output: 6.41
